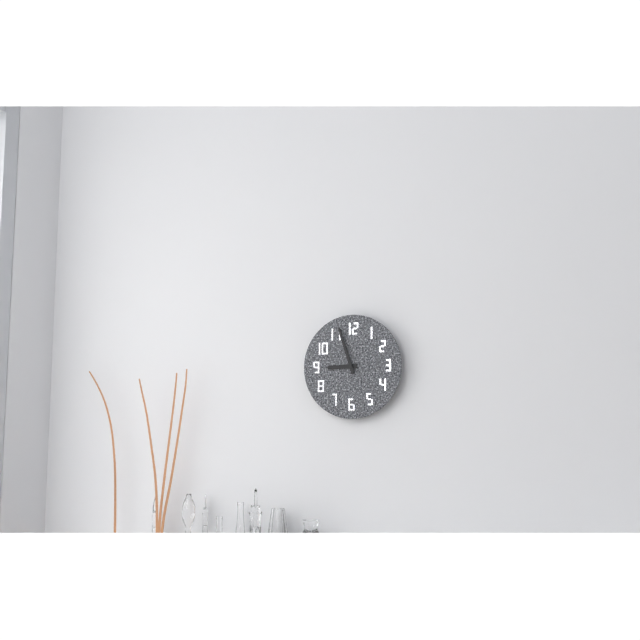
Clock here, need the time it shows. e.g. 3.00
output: 8.57
